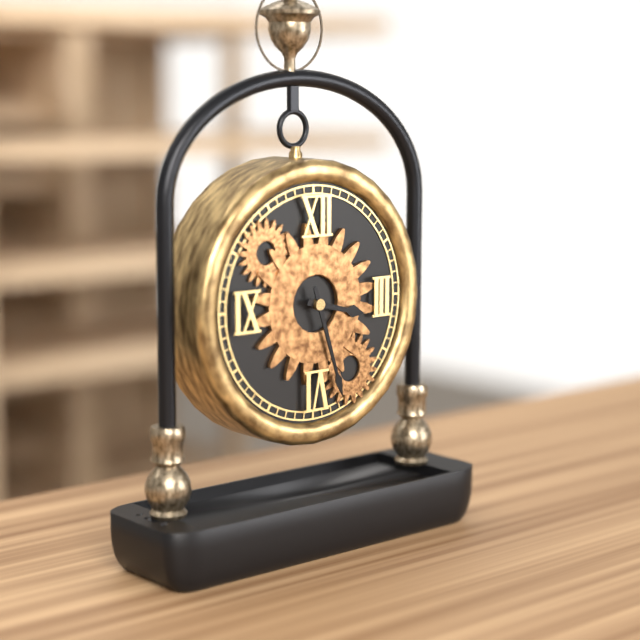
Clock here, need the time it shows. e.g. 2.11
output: 3.27
